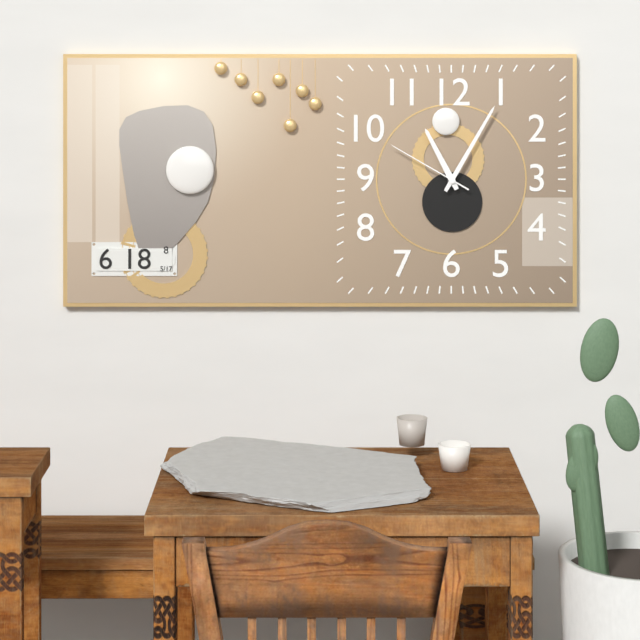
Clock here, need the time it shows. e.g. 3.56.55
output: 11.05.50
